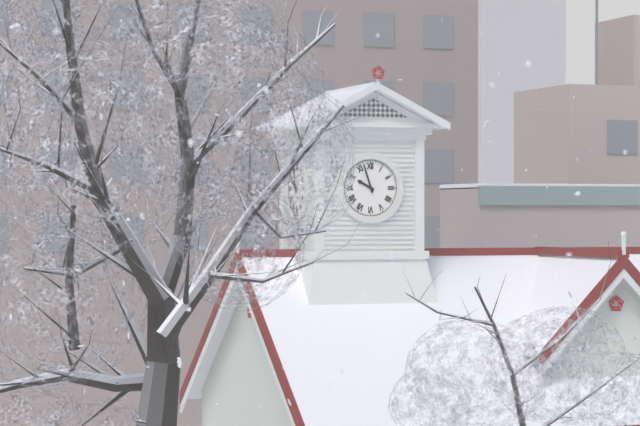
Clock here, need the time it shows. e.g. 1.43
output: 9.57
